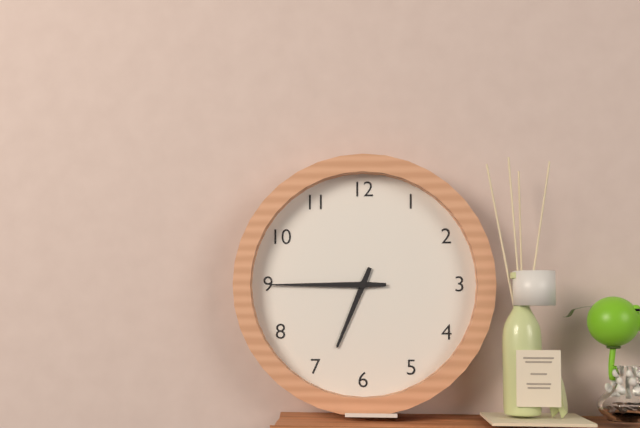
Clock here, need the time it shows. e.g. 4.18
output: 6.45
